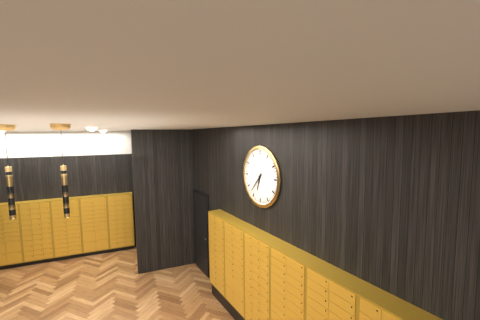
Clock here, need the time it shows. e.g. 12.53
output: 6.37
